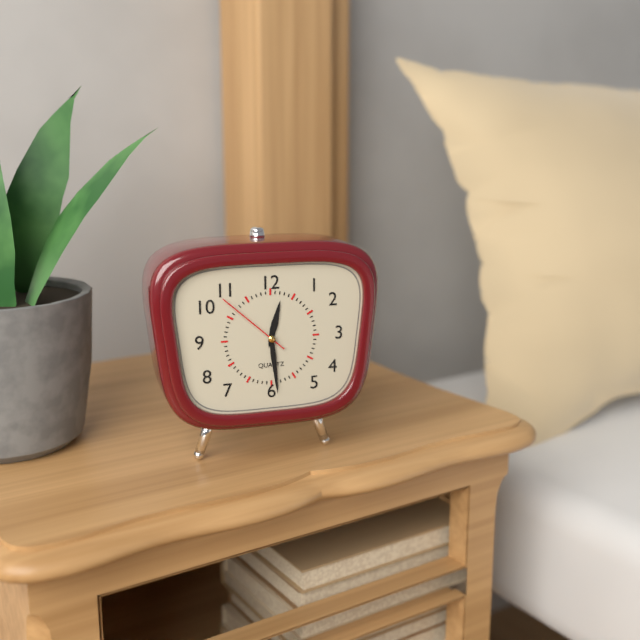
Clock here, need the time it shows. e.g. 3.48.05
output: 12.29.52
